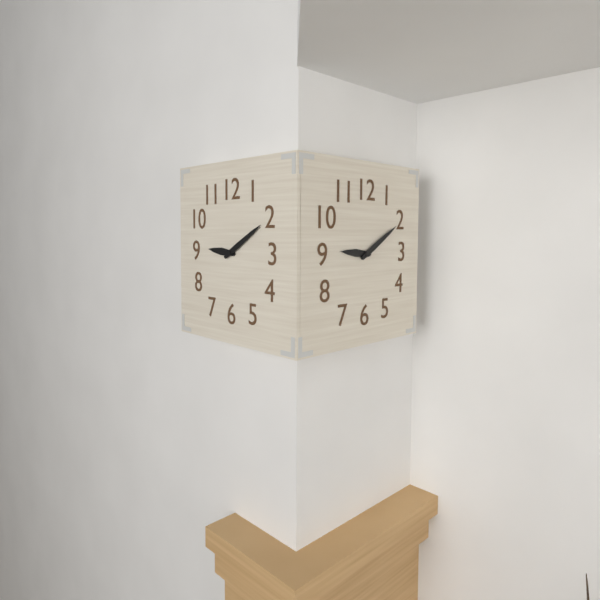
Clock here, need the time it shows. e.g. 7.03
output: 9.10
